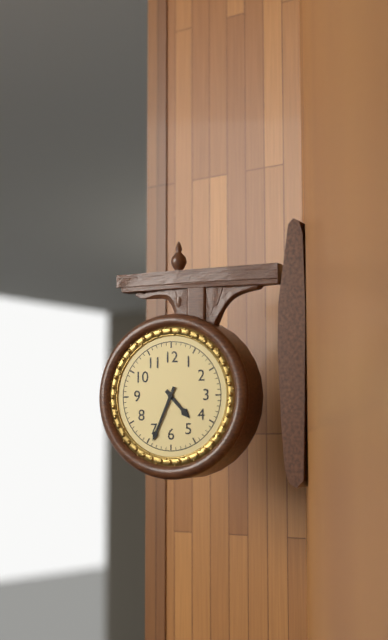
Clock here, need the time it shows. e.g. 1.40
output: 4.34
